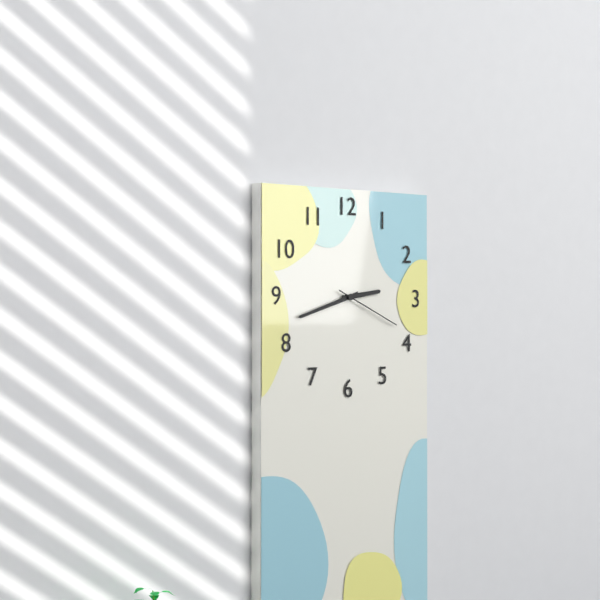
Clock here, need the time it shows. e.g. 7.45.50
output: 2.42.19
